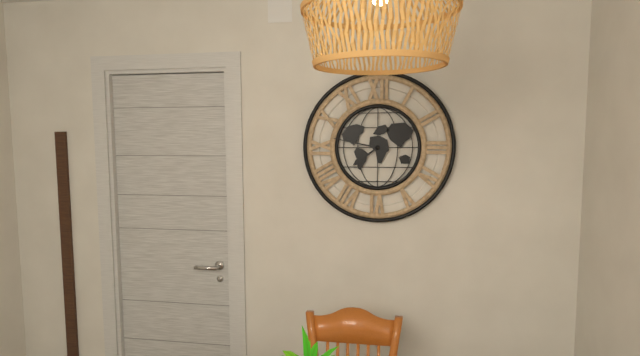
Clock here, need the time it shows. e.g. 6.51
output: 7.47
